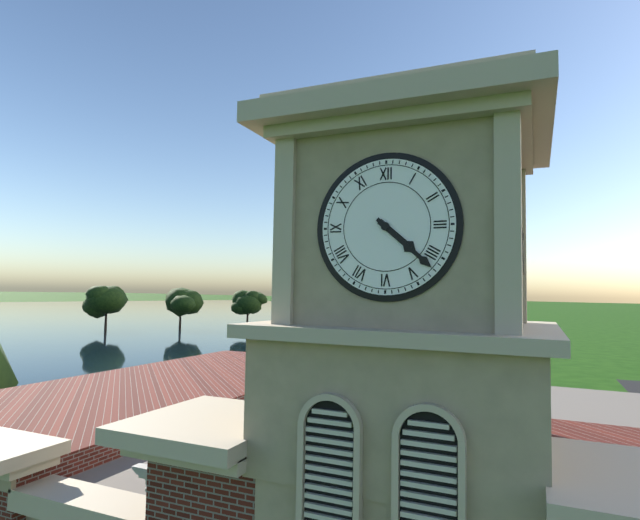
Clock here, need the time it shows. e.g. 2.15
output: 4.22
